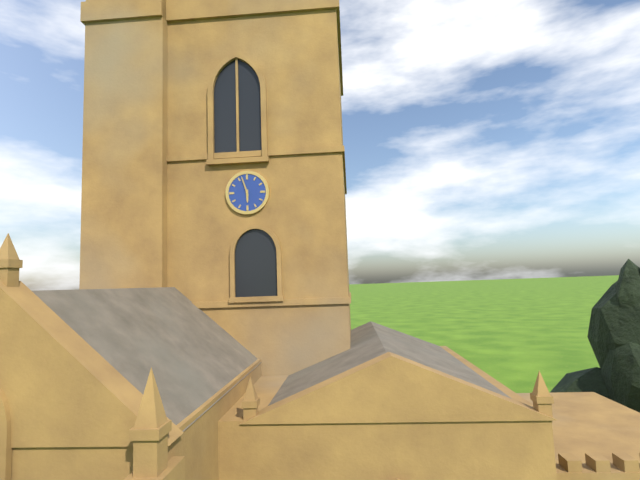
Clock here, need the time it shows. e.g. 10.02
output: 5.57
